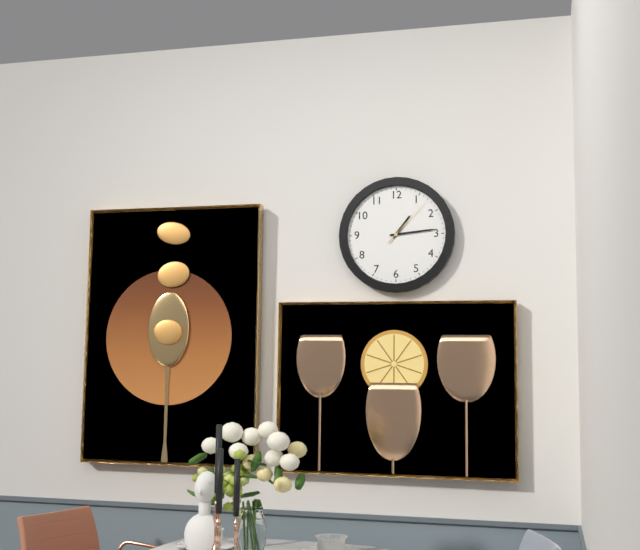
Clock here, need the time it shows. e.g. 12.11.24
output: 1.14.07
